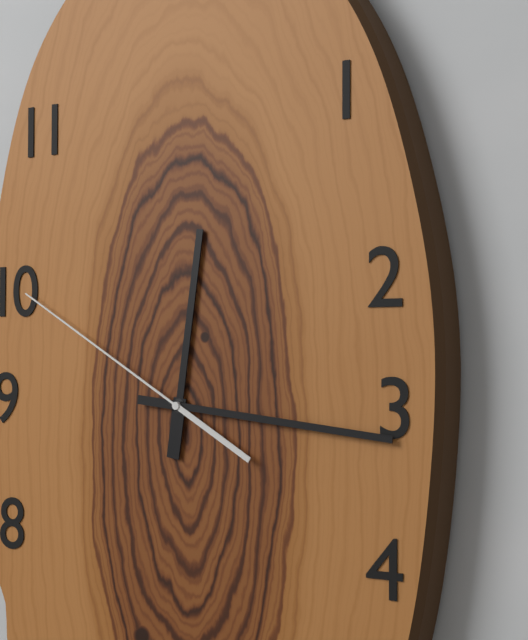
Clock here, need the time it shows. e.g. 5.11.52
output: 12.16.50
